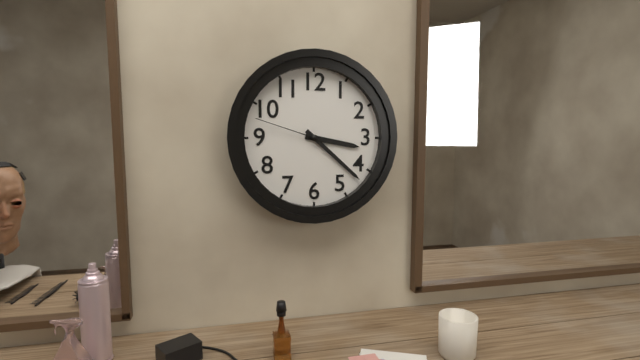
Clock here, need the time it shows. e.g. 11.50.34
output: 3.22.48
